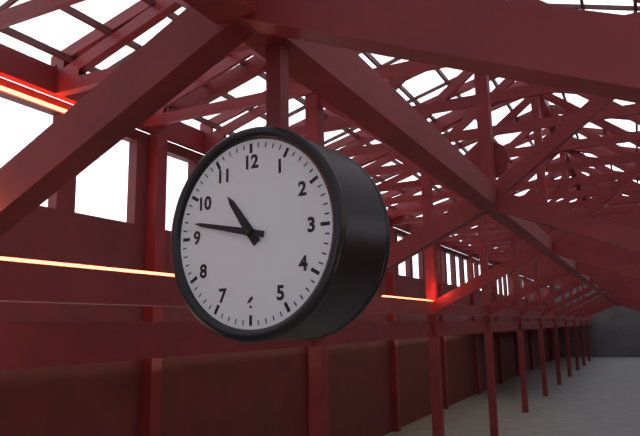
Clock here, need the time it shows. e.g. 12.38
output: 10.47
